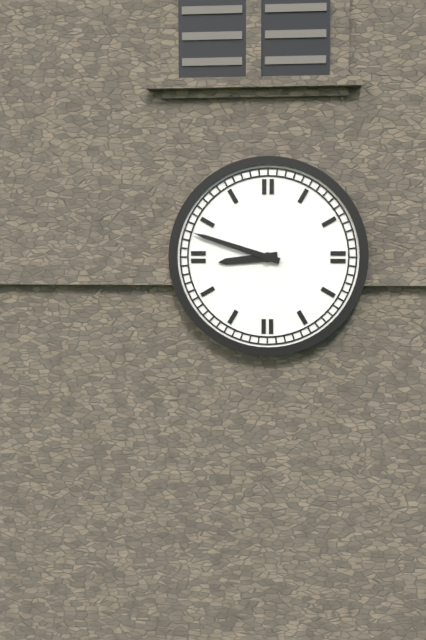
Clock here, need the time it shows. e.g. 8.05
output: 8.48
